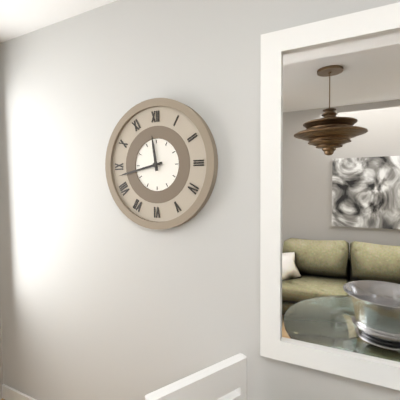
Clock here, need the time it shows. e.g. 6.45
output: 11.43
